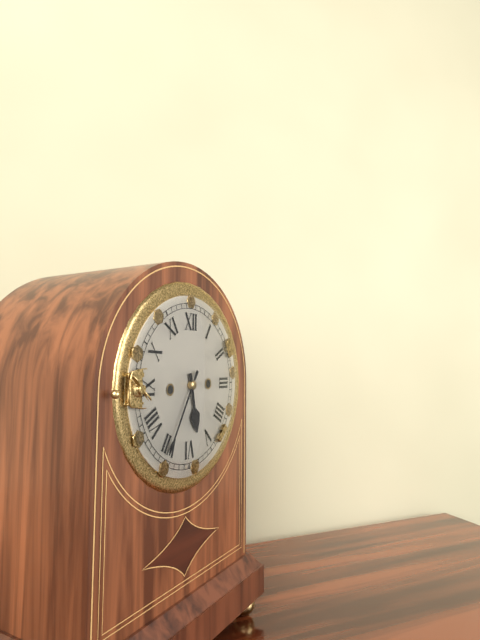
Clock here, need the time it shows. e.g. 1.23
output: 5.35
